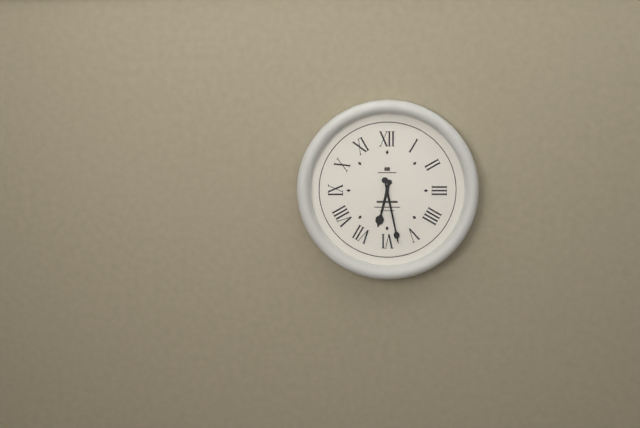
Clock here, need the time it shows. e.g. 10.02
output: 6.28
